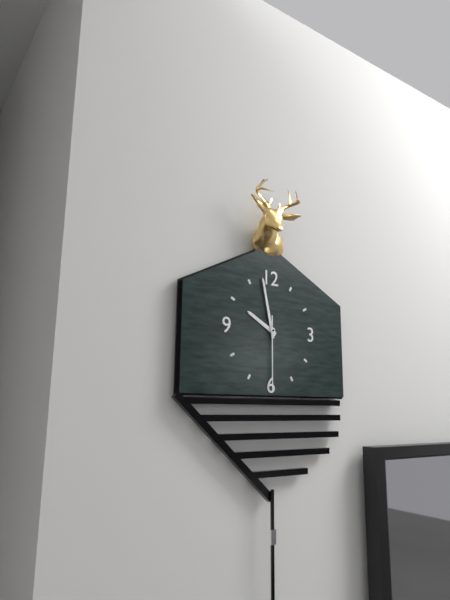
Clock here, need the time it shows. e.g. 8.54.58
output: 9.58.30
